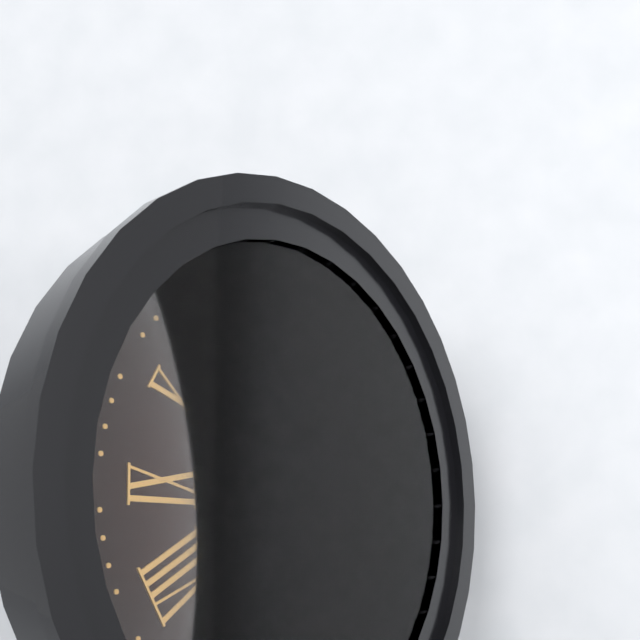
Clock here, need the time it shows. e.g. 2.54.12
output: 12.14.05
